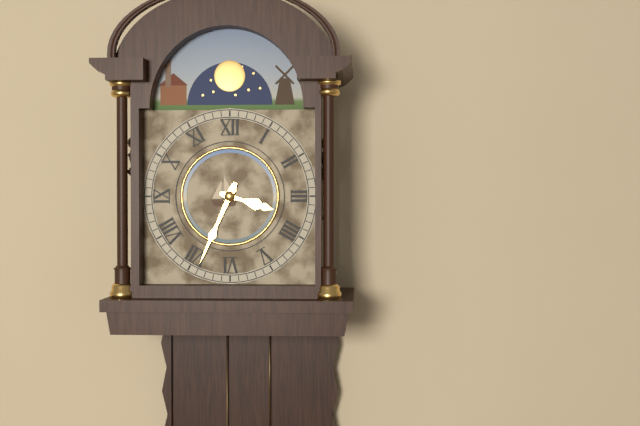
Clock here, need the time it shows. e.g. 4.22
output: 3.34
